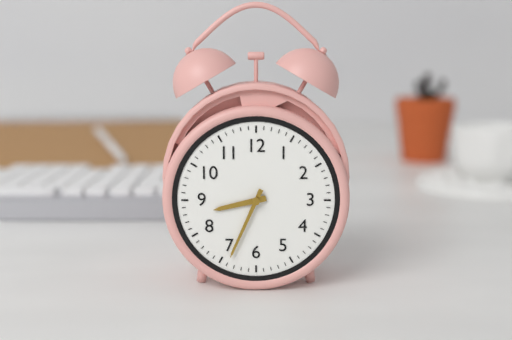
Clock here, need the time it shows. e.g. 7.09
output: 8.34
